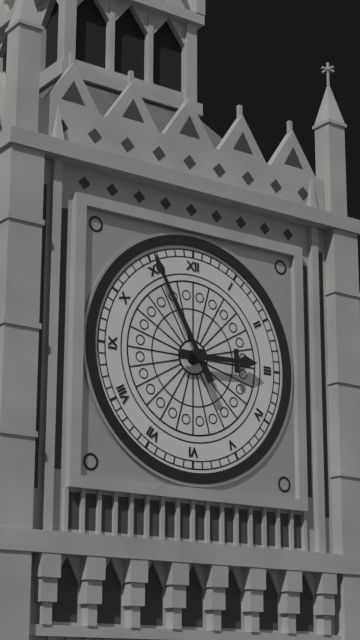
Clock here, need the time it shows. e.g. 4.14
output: 2.55
